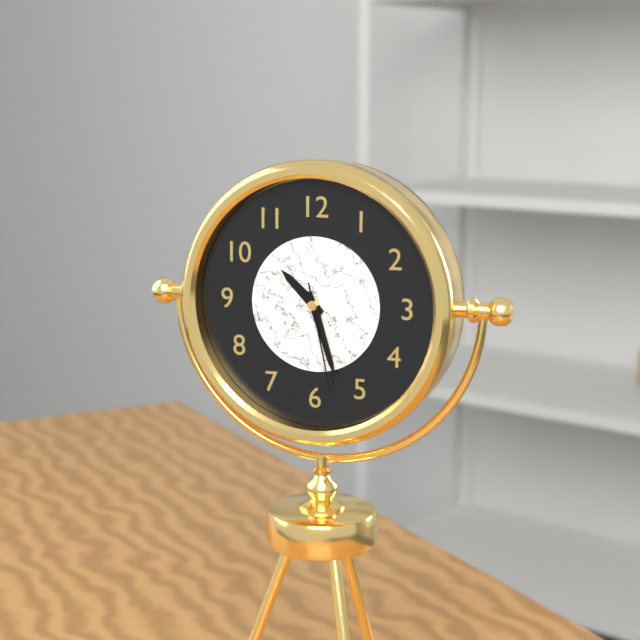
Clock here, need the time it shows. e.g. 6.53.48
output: 10.27.28
